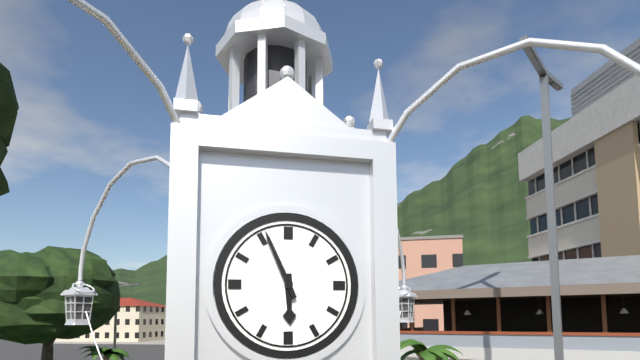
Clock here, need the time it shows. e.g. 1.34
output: 5.56
